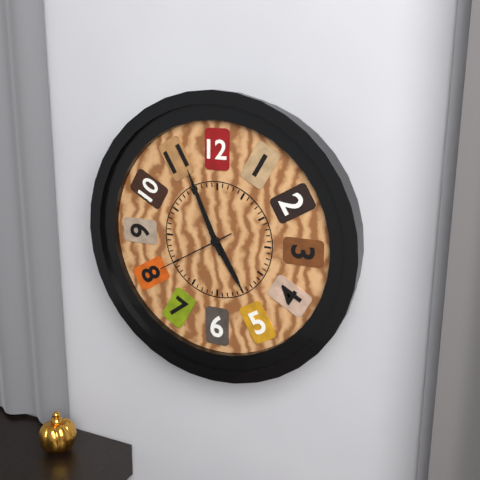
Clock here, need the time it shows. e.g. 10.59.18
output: 4.56.40
